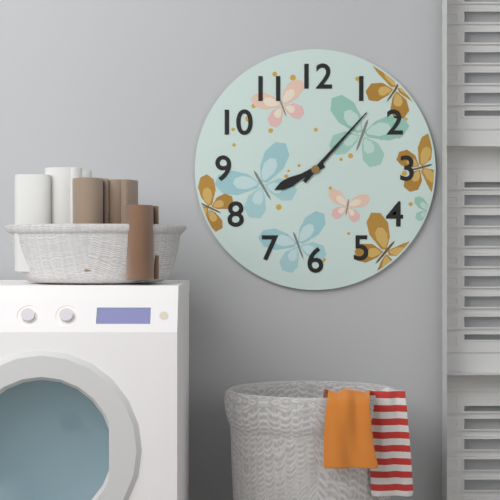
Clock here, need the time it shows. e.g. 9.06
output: 8.07
